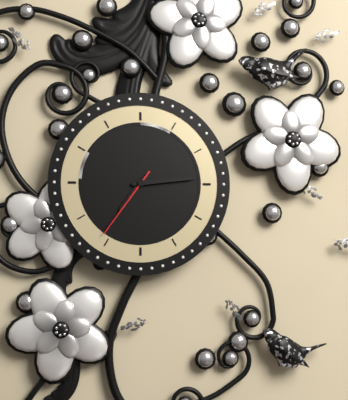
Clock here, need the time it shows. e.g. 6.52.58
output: 7.14.36
